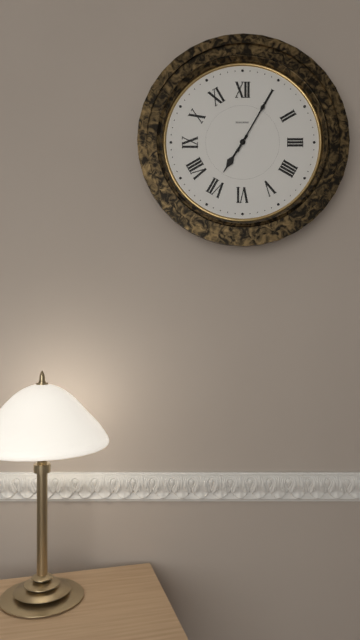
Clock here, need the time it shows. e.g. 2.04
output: 7.05
